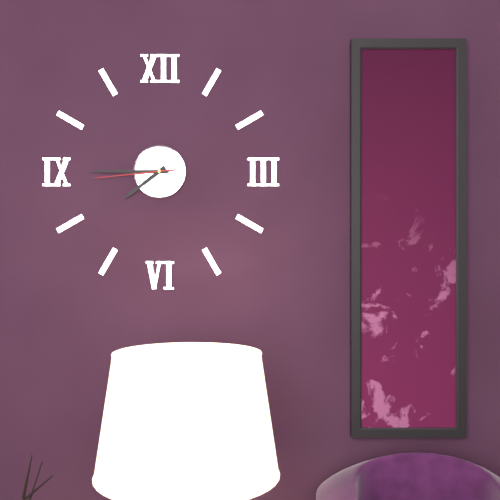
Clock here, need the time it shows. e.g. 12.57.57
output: 7.45.44
